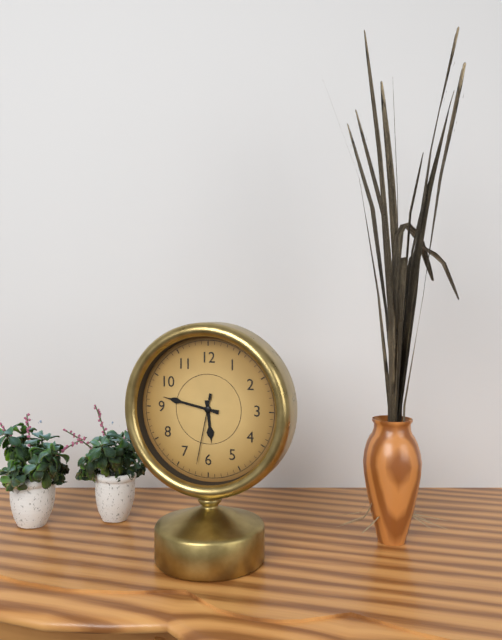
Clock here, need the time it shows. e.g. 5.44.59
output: 5.47.32
